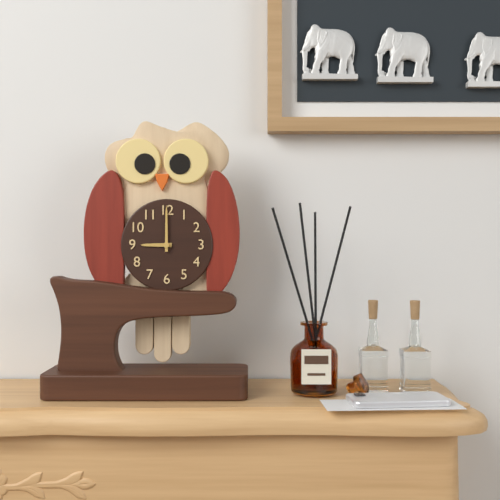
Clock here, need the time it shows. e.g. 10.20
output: 9.00
